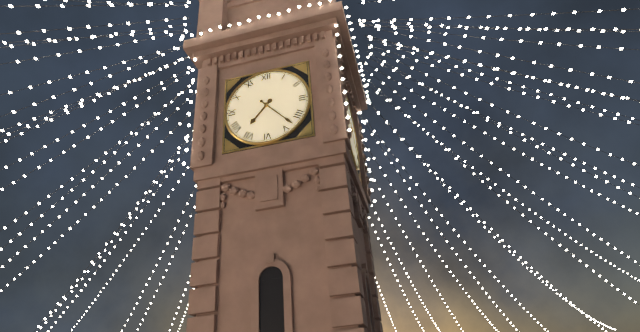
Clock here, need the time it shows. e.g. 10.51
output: 7.23
